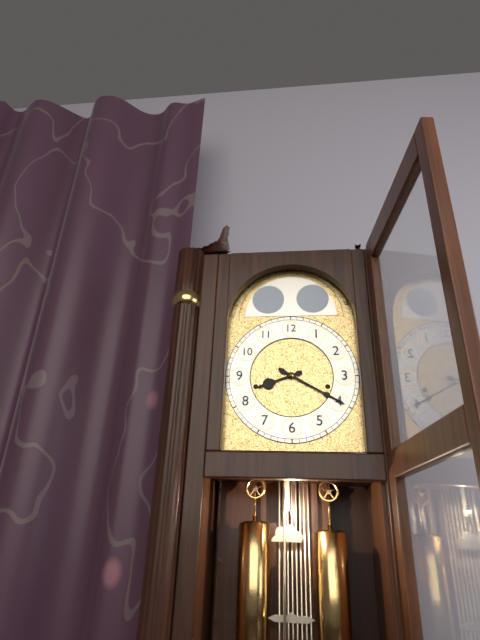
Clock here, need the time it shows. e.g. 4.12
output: 8.20
